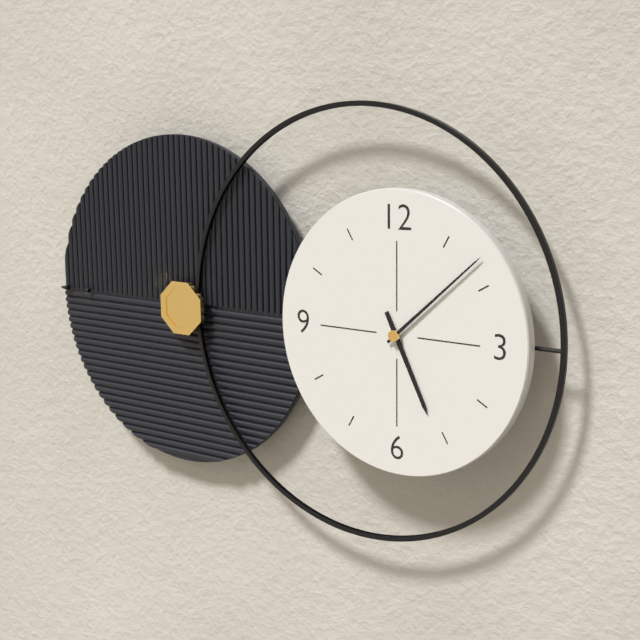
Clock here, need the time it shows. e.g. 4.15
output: 5.08
